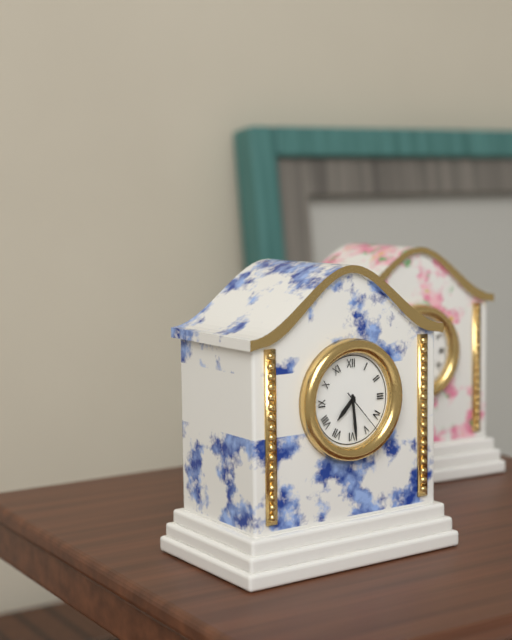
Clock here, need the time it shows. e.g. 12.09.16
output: 7.29.23
